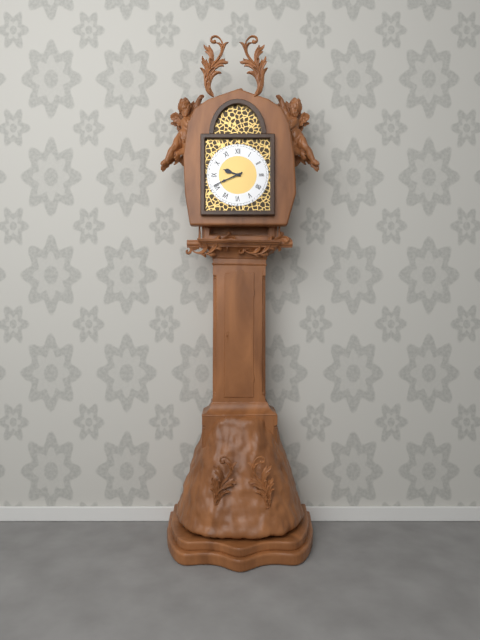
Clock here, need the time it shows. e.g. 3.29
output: 9.41
